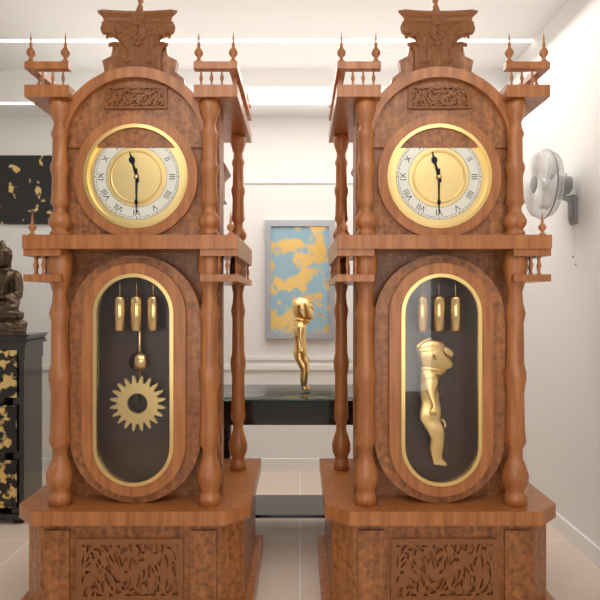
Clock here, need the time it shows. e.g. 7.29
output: 11.30
